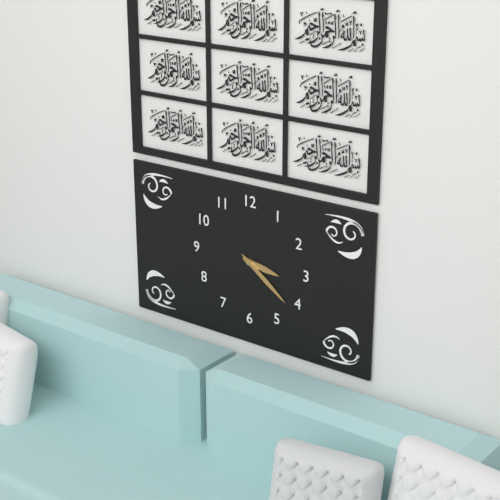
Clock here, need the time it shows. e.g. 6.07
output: 3.21
